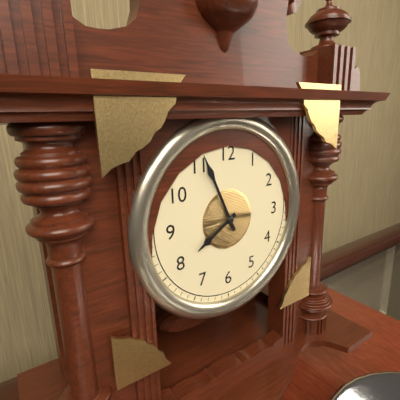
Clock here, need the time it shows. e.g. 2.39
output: 7.56
